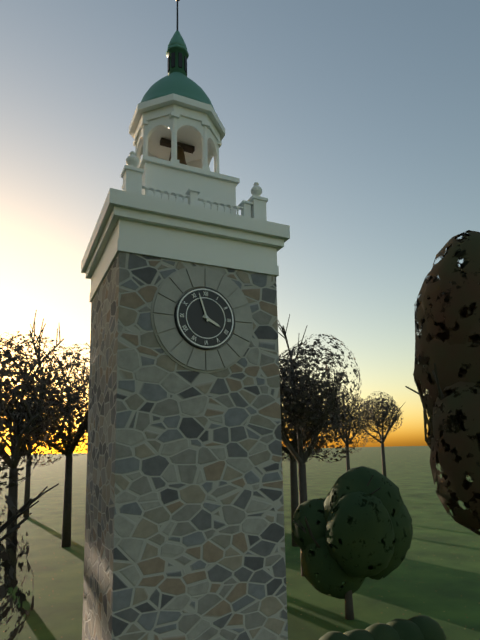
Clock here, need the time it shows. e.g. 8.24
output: 3.57
